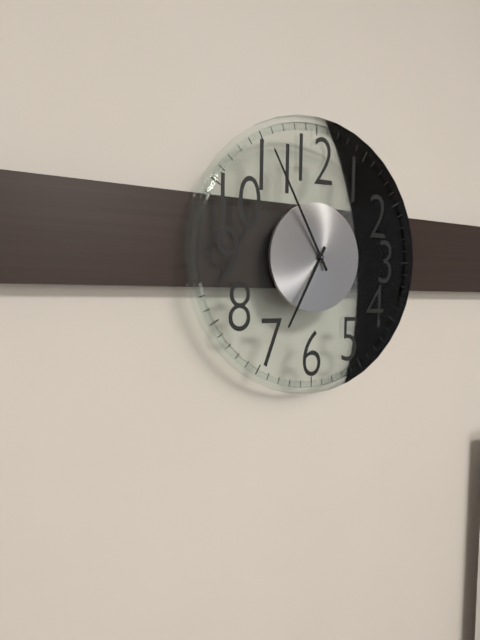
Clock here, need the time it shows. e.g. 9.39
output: 6.55
